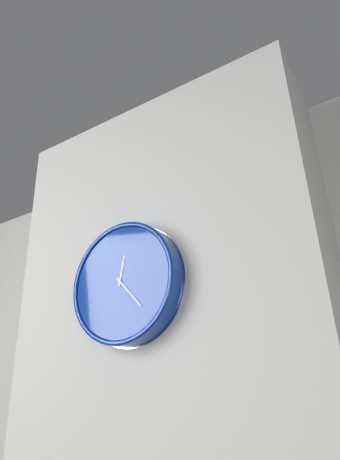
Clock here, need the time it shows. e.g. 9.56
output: 12.23
